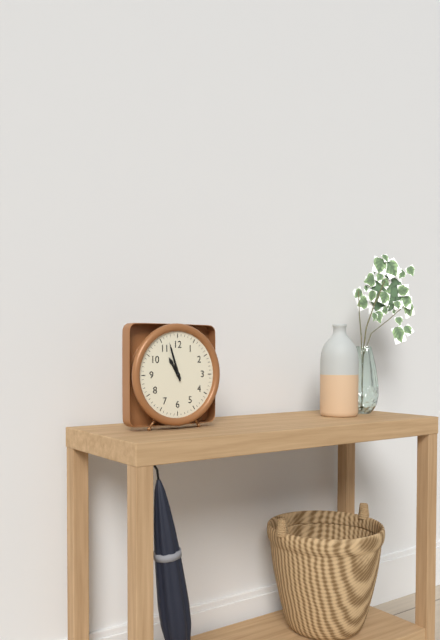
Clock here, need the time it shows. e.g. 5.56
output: 10.57
